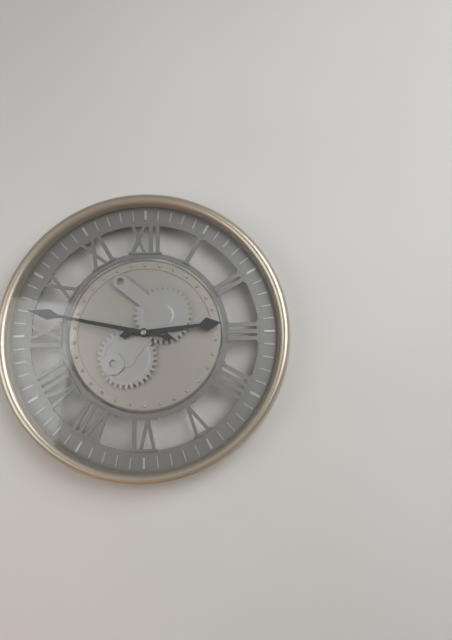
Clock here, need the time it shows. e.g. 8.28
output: 2.47
